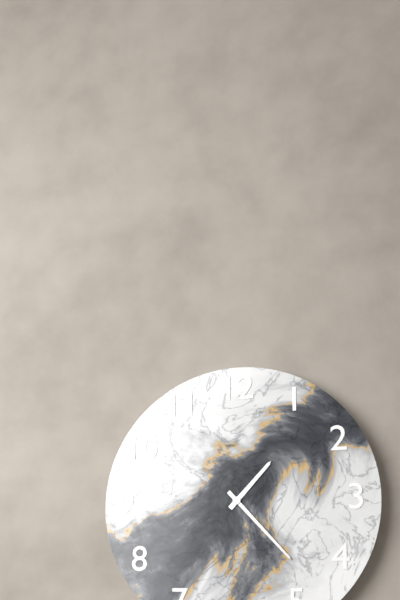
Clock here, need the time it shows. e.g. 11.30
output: 1.23
